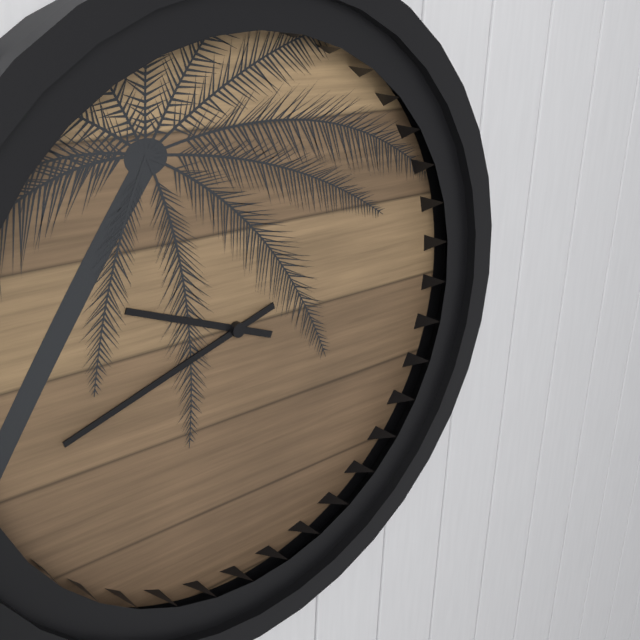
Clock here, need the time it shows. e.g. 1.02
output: 9.42
